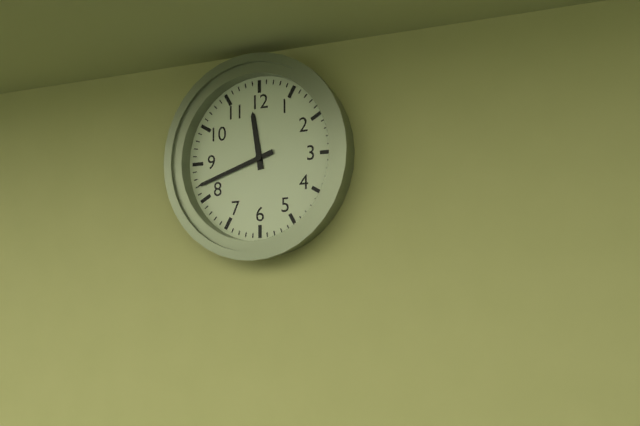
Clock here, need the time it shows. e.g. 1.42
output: 11.42
